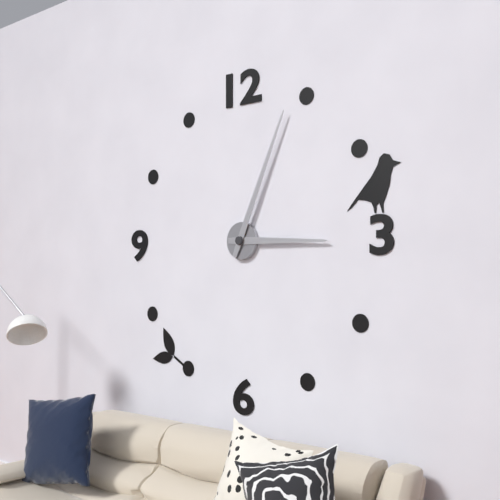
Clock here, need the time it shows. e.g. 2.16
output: 3.04
